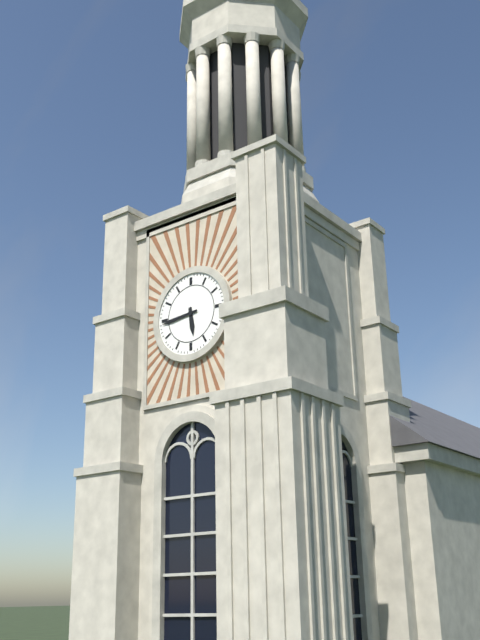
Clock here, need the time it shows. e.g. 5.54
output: 5.44
